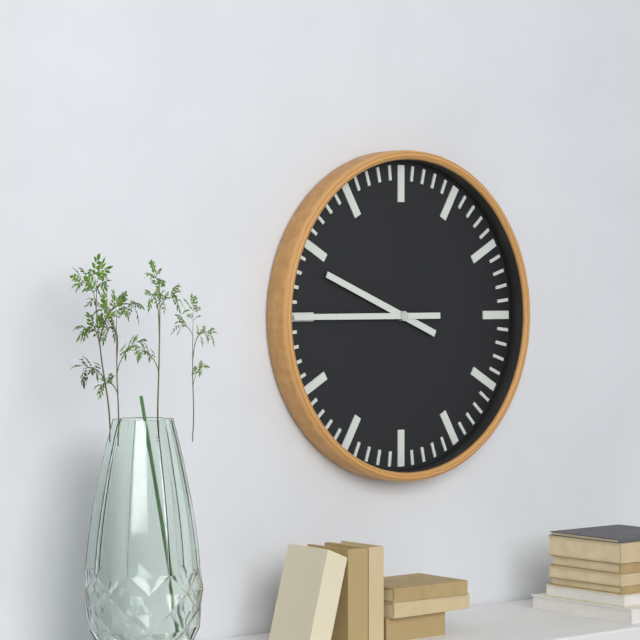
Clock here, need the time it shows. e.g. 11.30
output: 9.45
